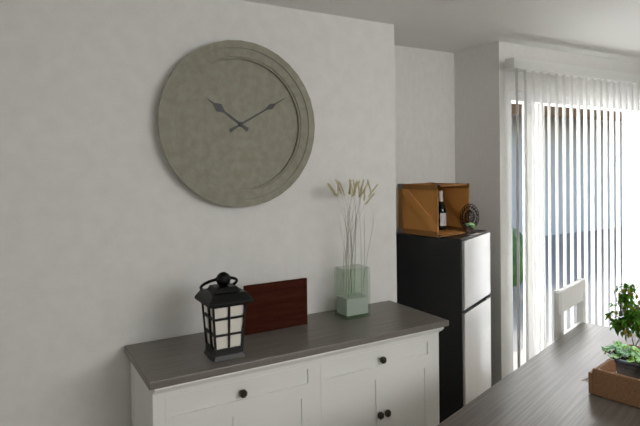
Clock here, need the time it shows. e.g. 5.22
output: 10.10
